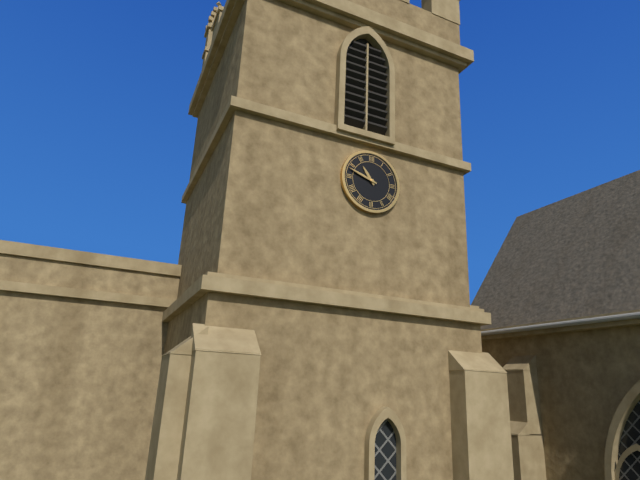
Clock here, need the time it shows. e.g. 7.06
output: 10.48
